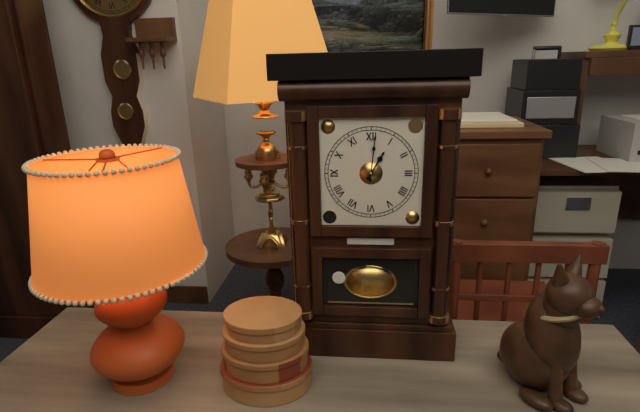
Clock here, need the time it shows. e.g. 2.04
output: 1.01
